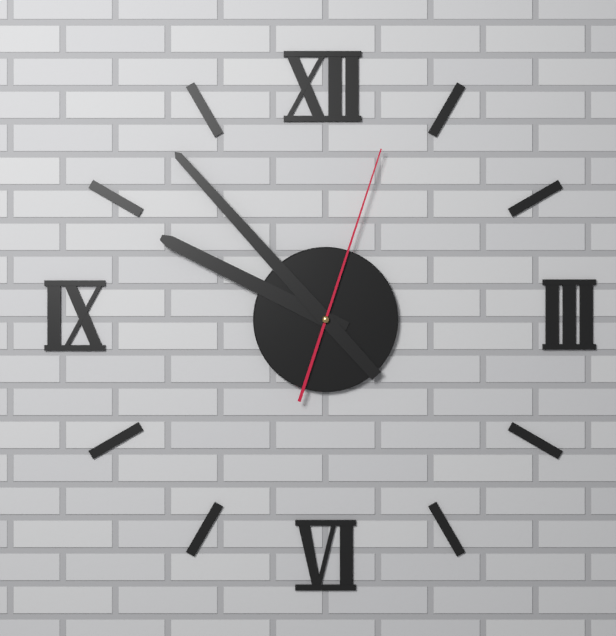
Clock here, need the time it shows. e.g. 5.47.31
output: 9.53.03
